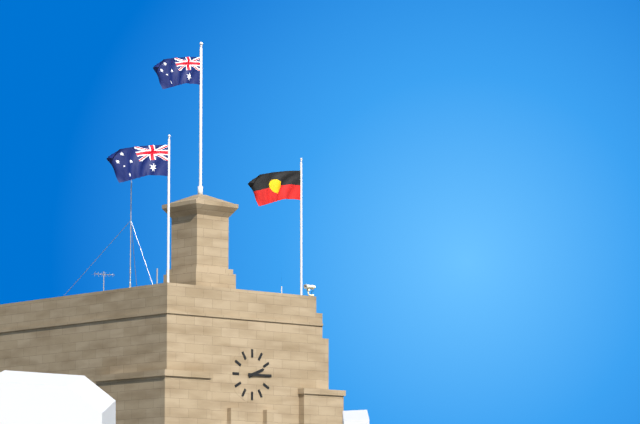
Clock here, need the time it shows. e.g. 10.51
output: 2.15
